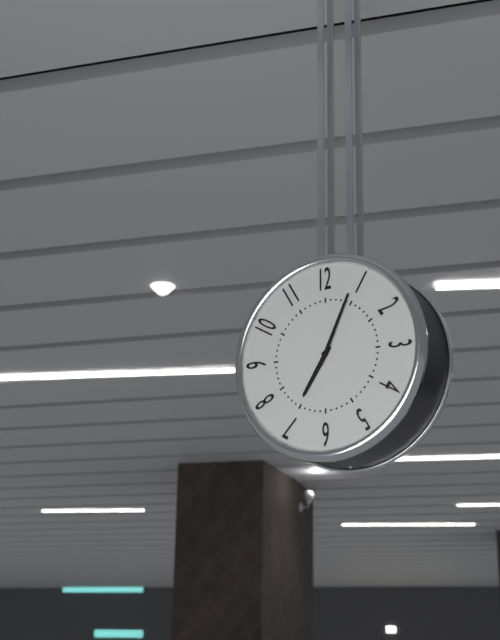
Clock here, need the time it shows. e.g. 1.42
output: 7.04
